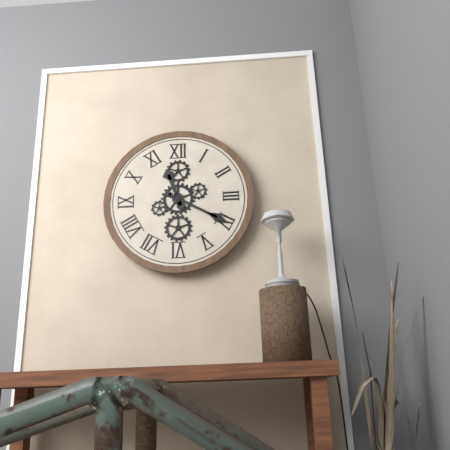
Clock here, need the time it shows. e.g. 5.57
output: 11.20
